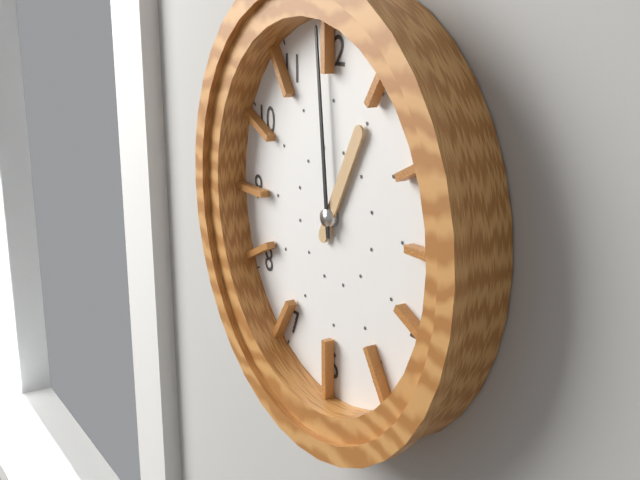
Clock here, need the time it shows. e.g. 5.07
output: 12.59
